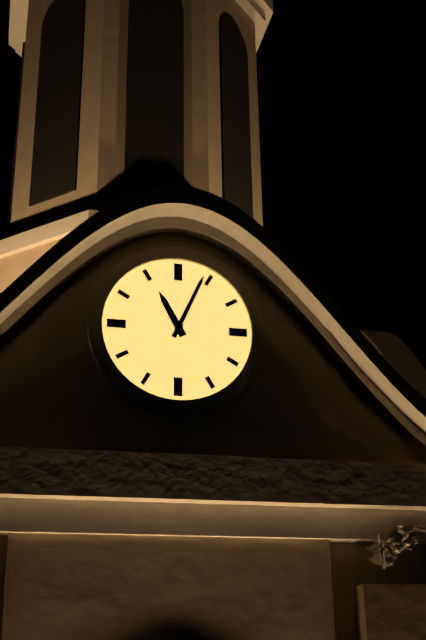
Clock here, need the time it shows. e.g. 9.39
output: 11.04
